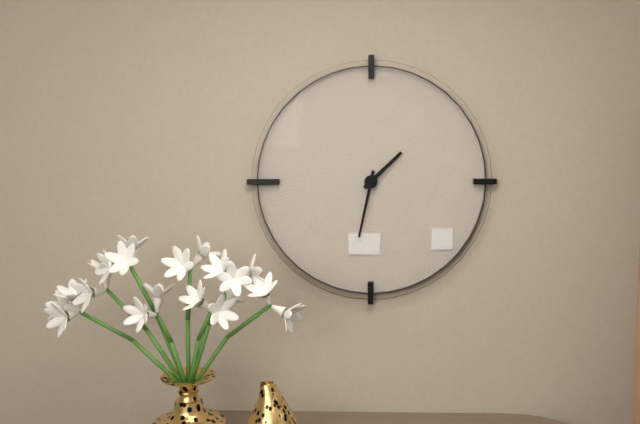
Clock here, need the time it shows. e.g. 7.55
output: 1.32
